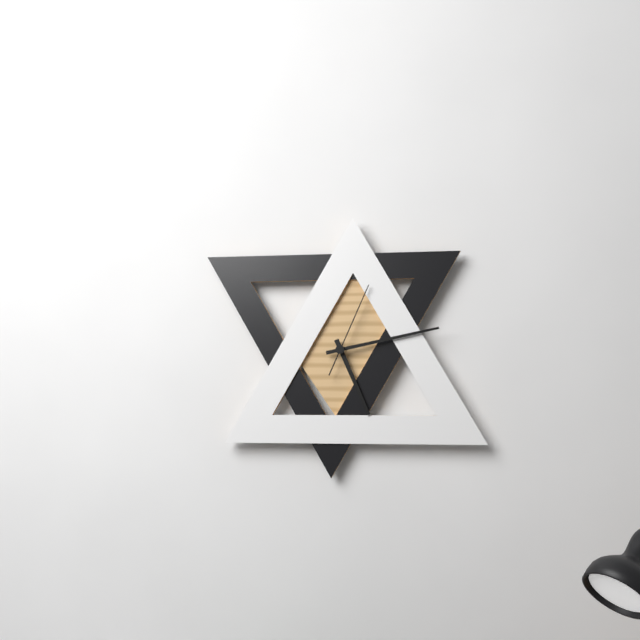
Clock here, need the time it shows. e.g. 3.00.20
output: 5.13.04
